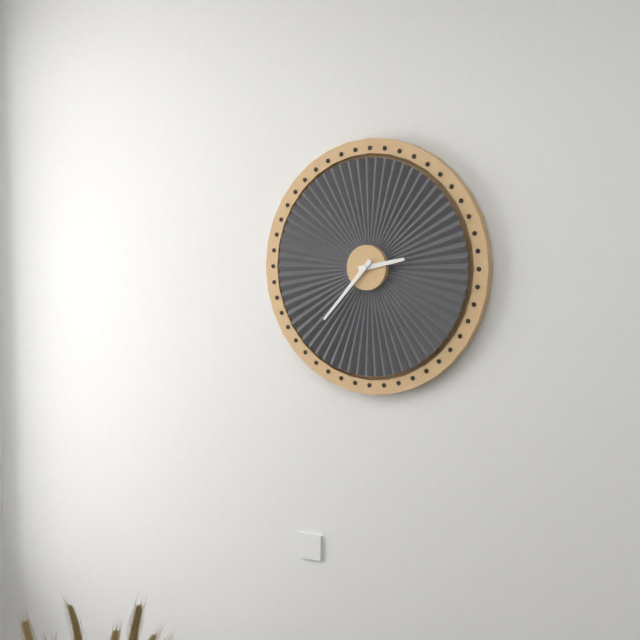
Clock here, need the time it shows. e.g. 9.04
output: 2.37
